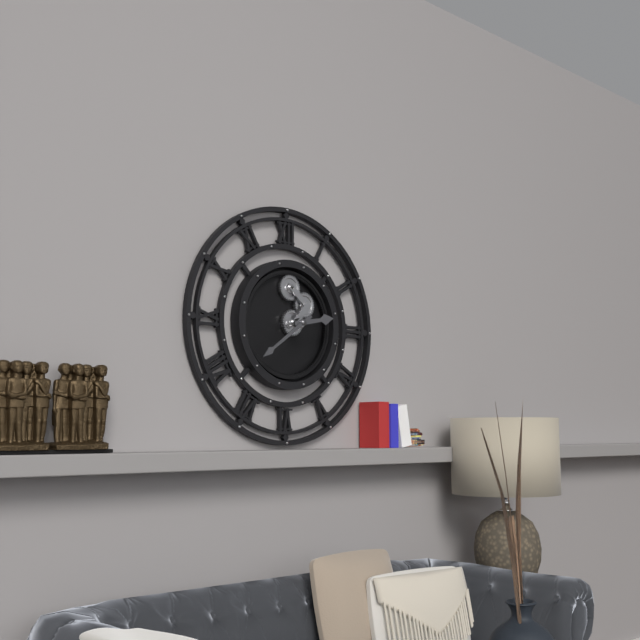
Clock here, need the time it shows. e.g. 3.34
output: 2.39
